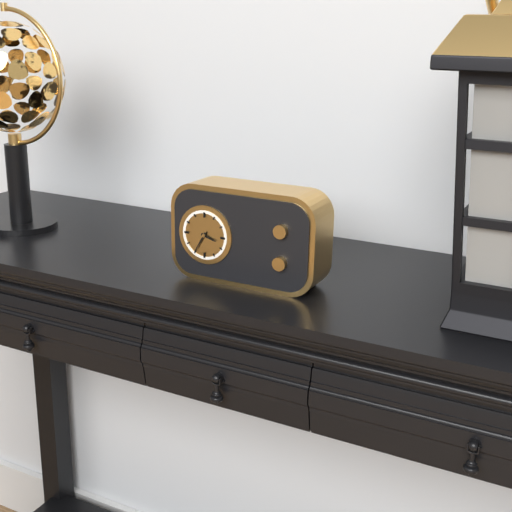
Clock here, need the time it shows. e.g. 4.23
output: 3.35
